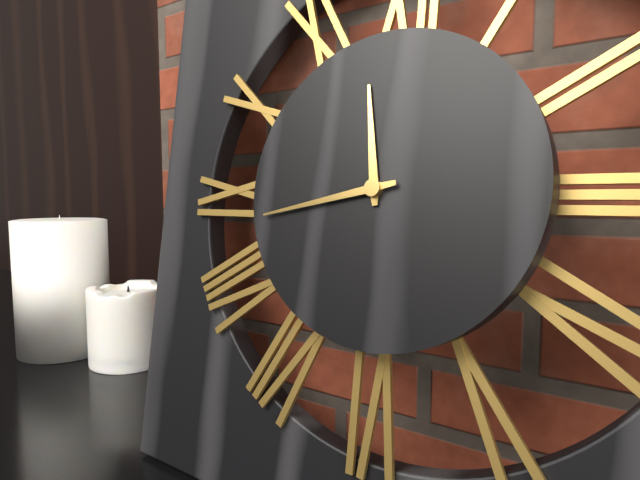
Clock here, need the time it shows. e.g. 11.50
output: 11.43
